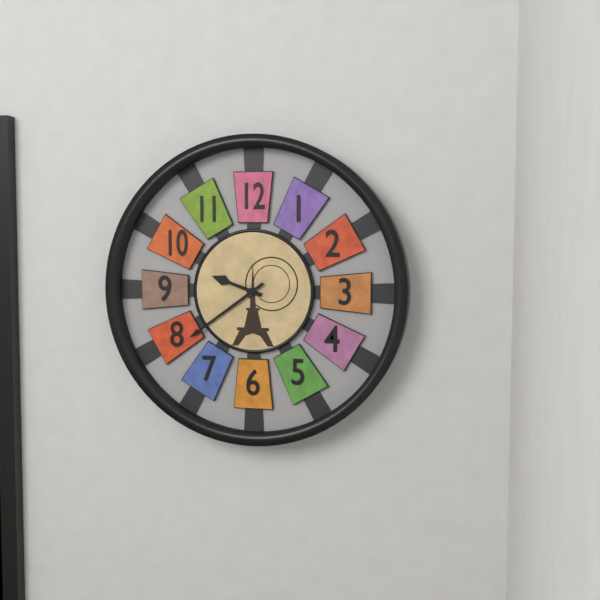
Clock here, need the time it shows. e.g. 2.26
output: 9.39
